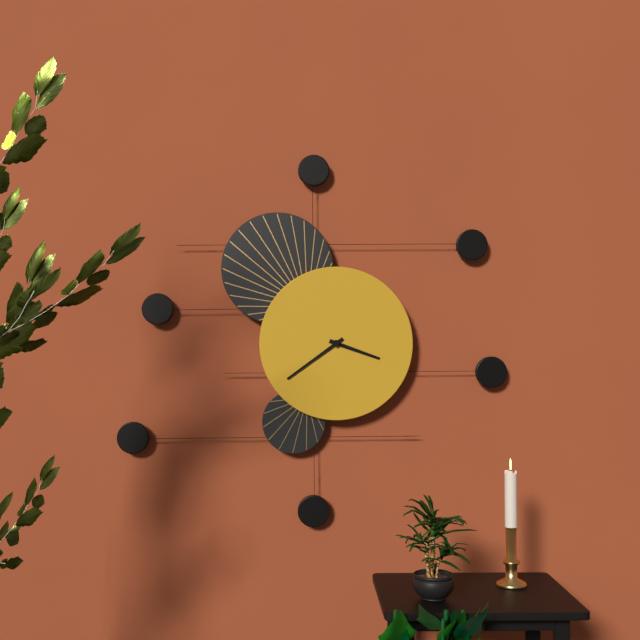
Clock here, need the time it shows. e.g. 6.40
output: 3.39
